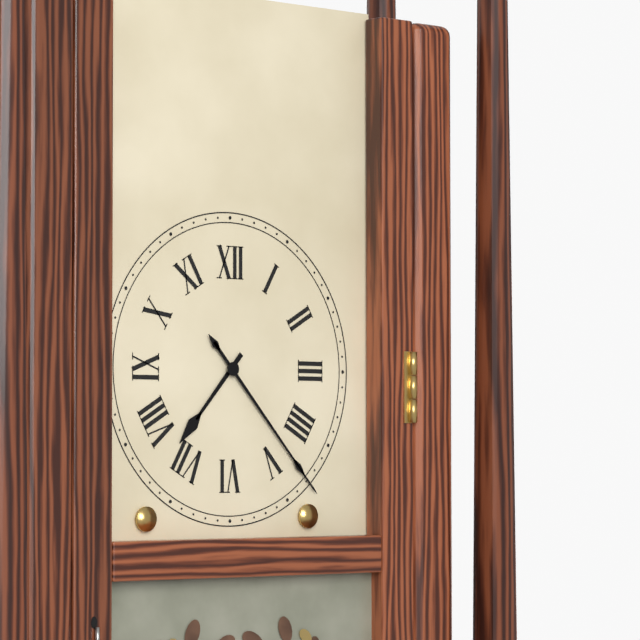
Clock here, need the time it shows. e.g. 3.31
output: 7.23
